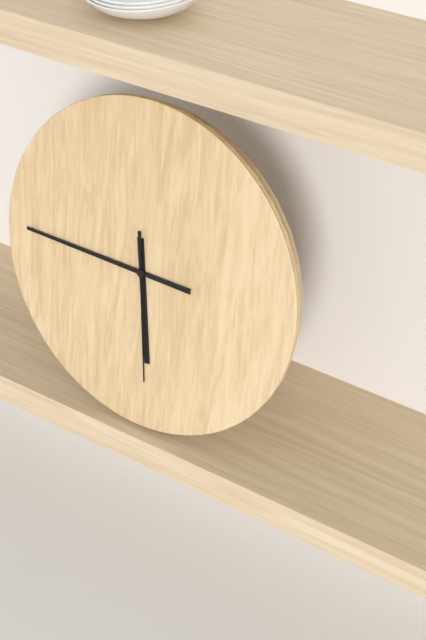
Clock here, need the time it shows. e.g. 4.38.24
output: 5.45.29
